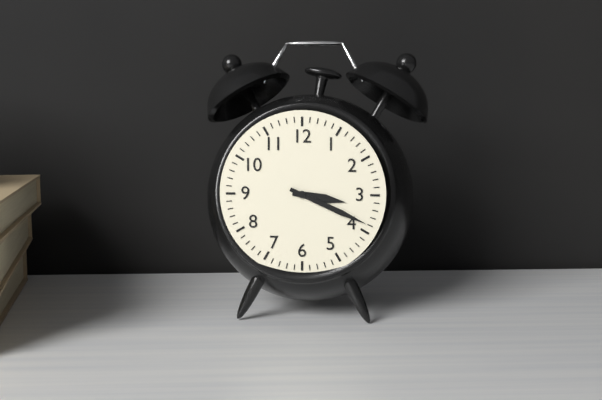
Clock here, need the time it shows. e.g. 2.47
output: 3.19
